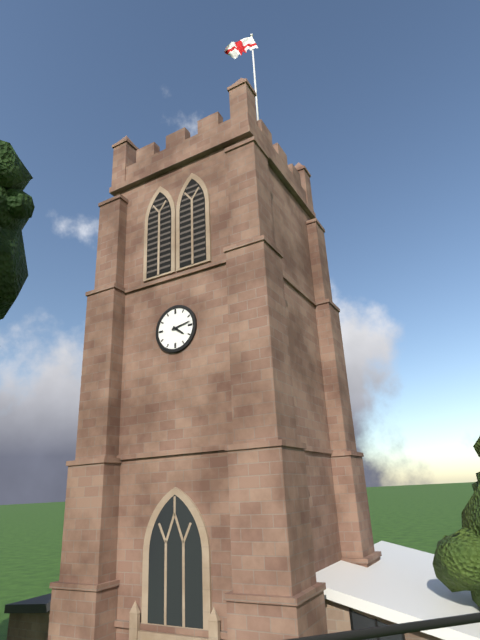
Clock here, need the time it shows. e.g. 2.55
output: 4.13
